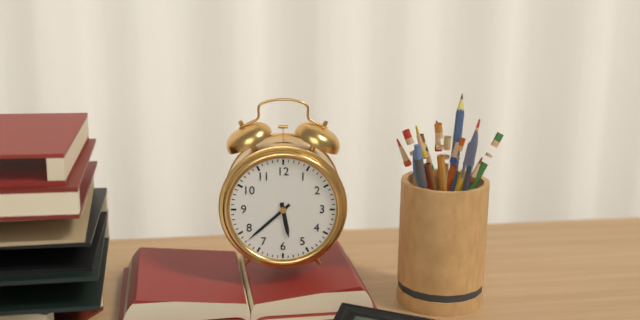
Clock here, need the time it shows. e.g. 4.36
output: 5.38
